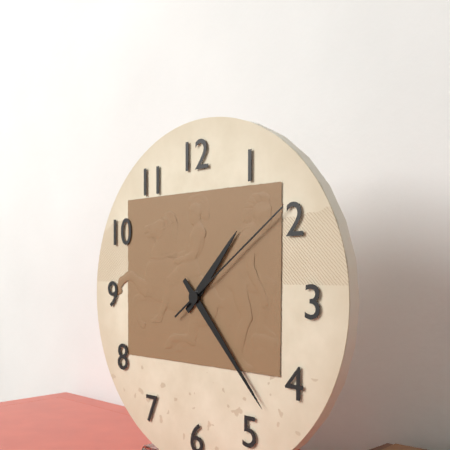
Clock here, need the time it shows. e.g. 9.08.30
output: 1.23.09
